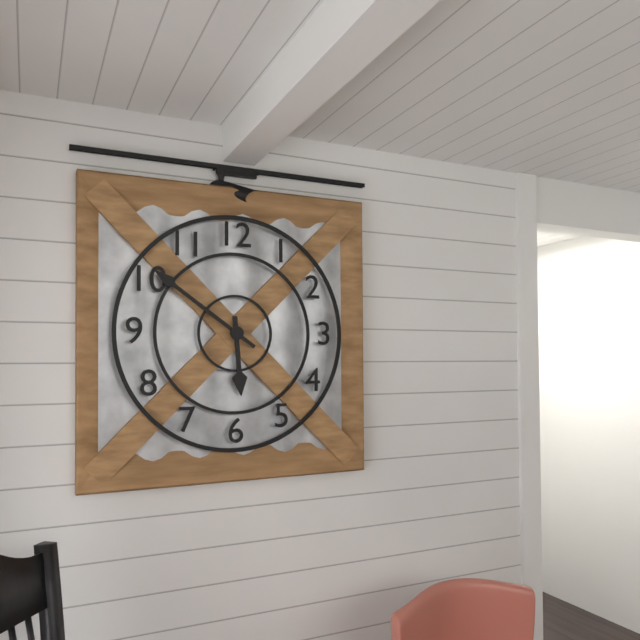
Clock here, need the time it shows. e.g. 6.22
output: 5.51
